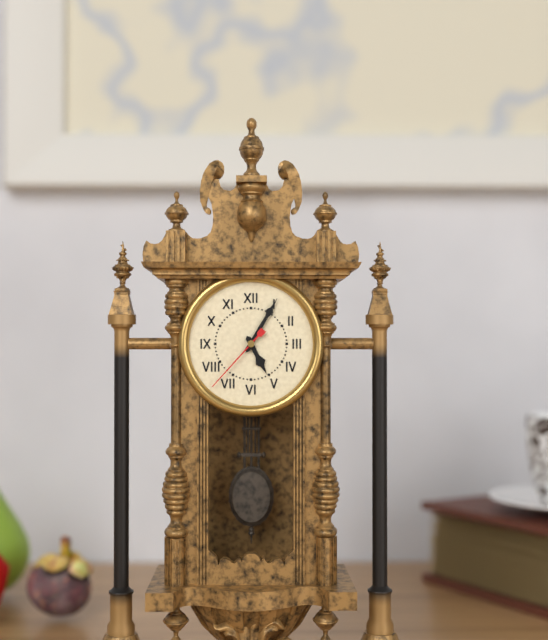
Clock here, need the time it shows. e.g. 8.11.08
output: 5.05.37
